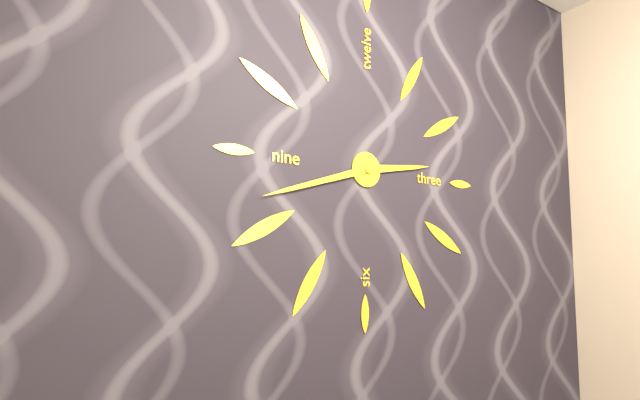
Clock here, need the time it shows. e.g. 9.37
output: 2.42
